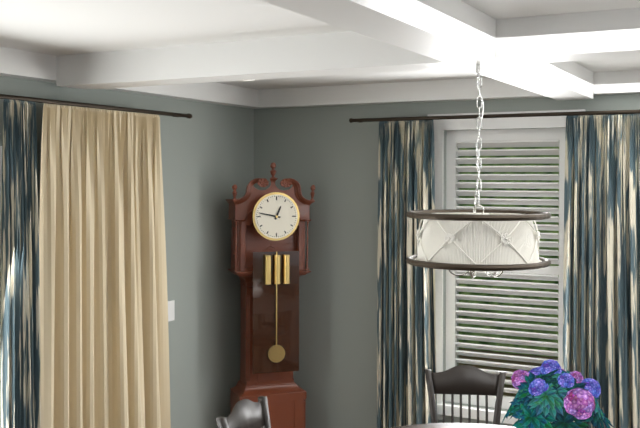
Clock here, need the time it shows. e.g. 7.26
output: 12.47
